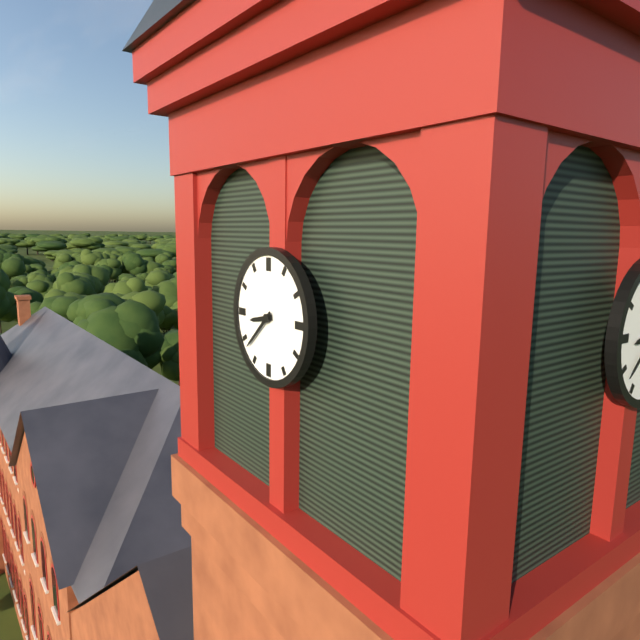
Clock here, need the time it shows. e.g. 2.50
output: 8.38
